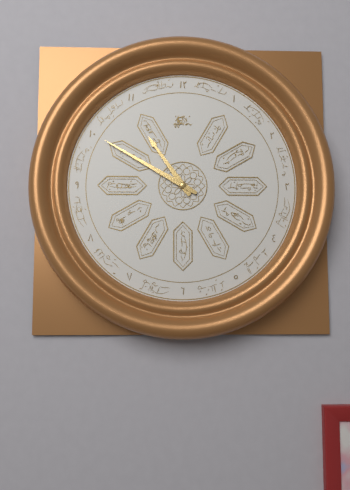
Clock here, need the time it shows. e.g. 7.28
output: 10.50
